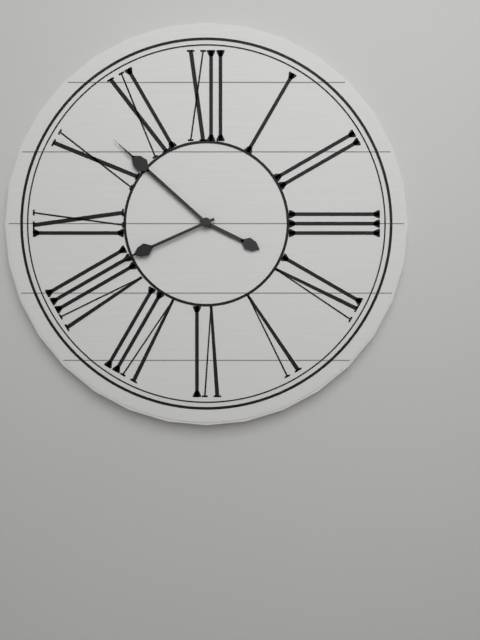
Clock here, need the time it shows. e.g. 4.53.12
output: 3.52.41
